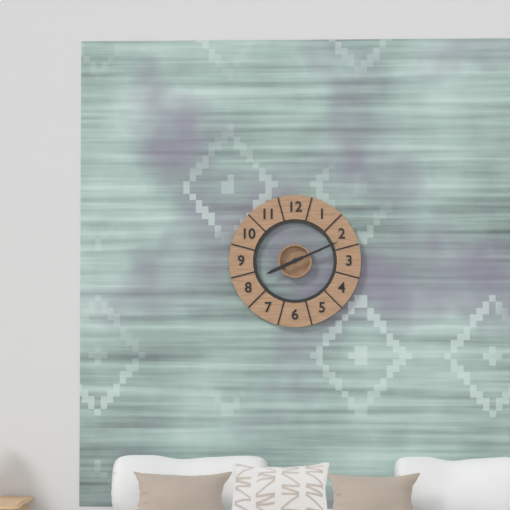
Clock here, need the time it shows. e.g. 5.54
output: 8.11
